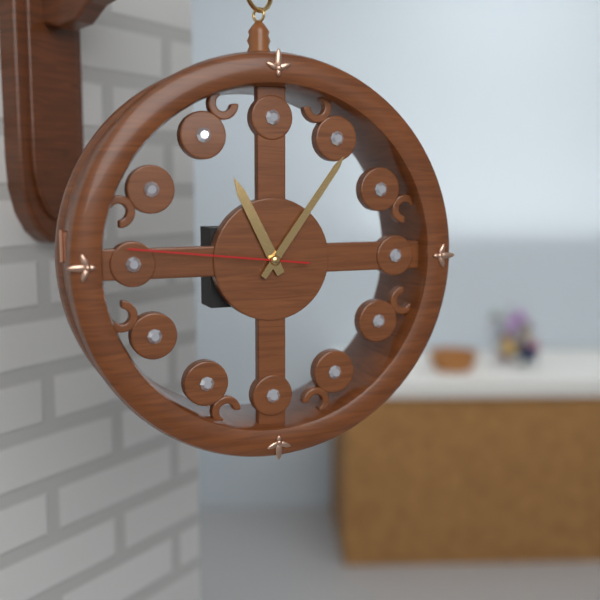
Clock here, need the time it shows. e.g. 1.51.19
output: 11.06.46
